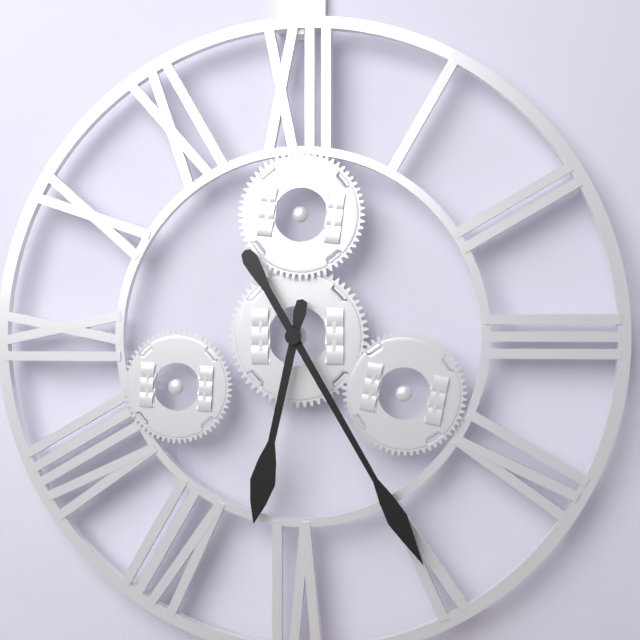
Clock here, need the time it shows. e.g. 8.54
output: 6.25
